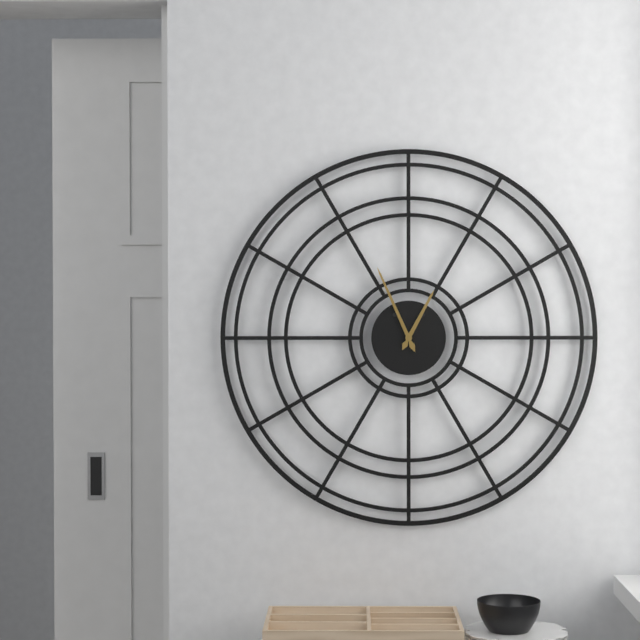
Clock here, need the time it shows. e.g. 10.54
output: 12.56
